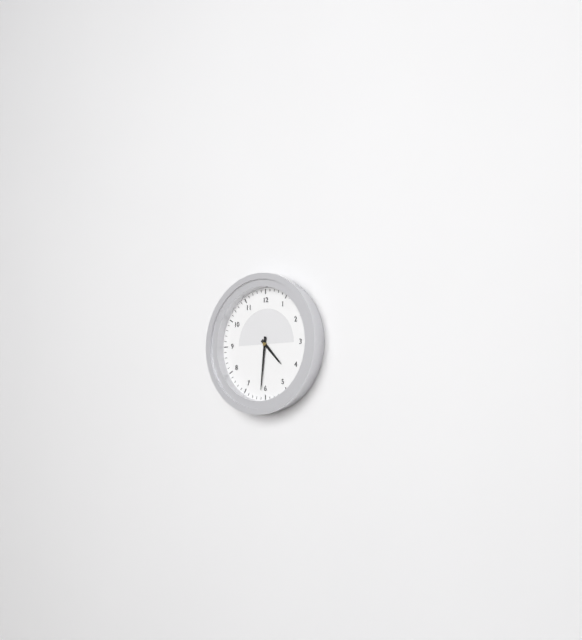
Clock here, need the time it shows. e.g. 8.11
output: 4.31
